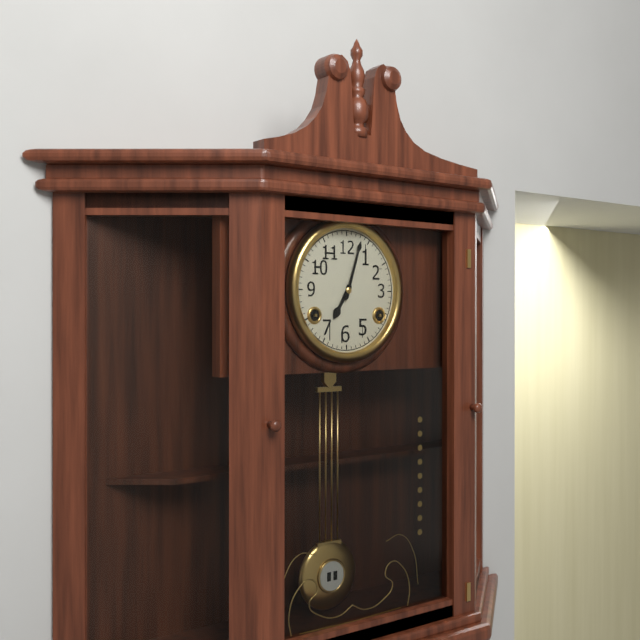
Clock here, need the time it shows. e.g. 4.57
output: 7.03
